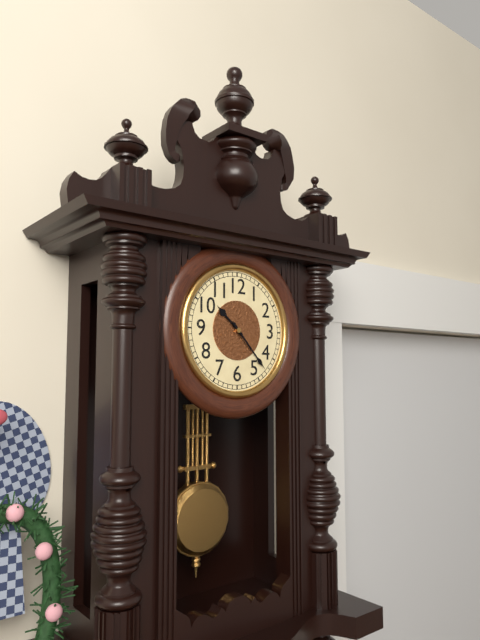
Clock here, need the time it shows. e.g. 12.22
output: 10.23
